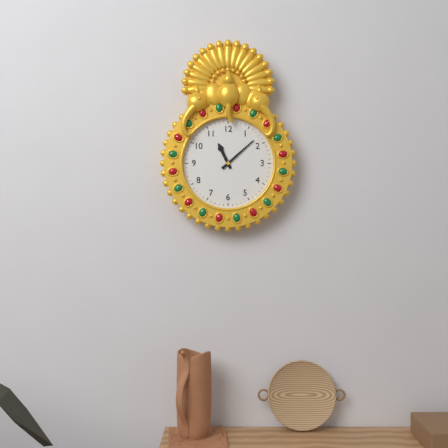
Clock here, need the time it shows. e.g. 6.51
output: 11.08
